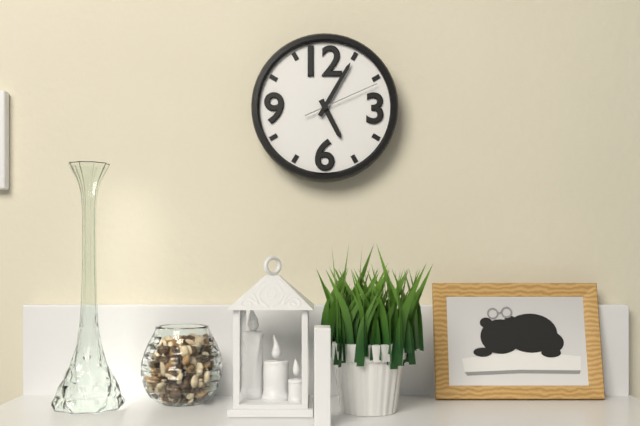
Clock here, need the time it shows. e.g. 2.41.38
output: 5.05.11
